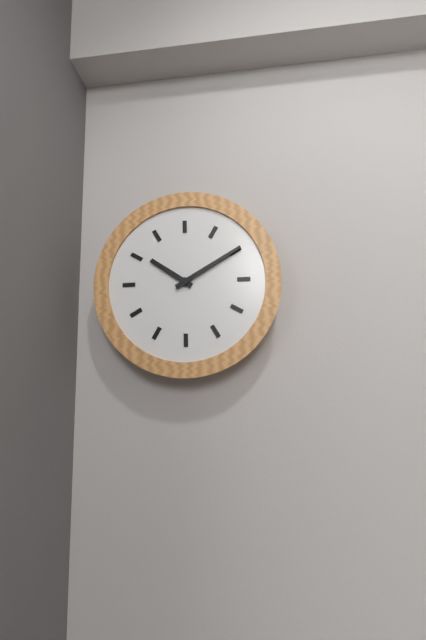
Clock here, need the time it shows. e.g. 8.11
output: 10.10
